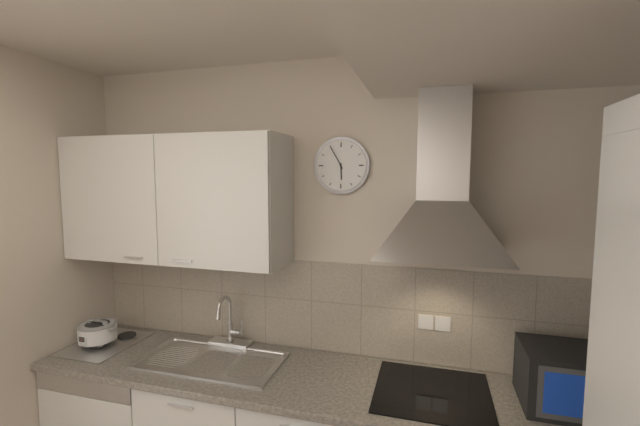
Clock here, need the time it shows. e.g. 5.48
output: 5.55
